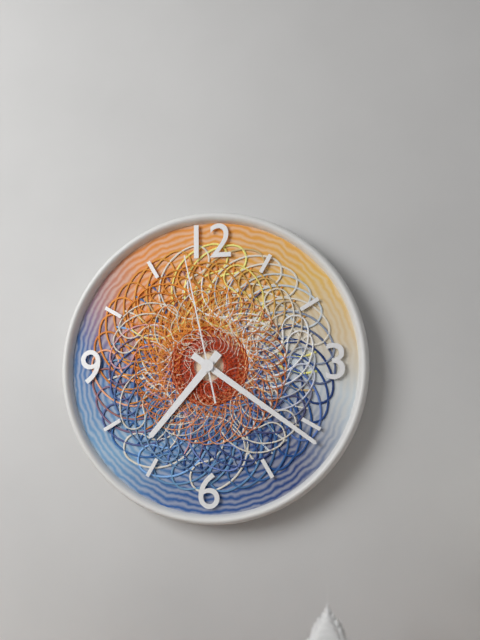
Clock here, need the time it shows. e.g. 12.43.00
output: 7.21.58
